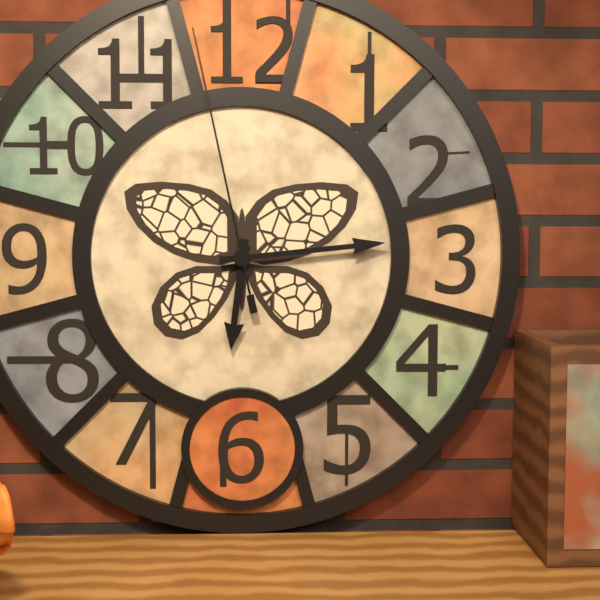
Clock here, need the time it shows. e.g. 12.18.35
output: 6.14.58
